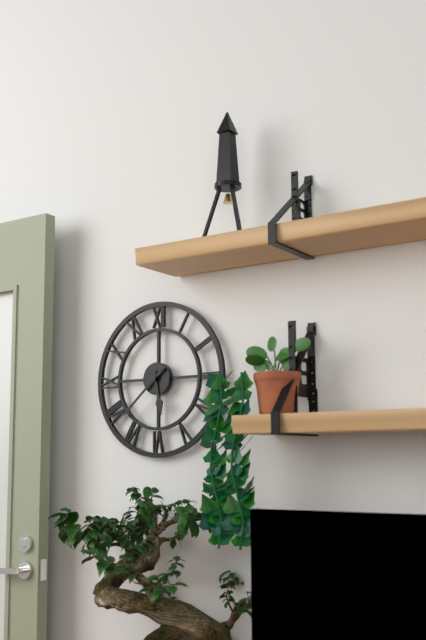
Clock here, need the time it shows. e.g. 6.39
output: 5.38
